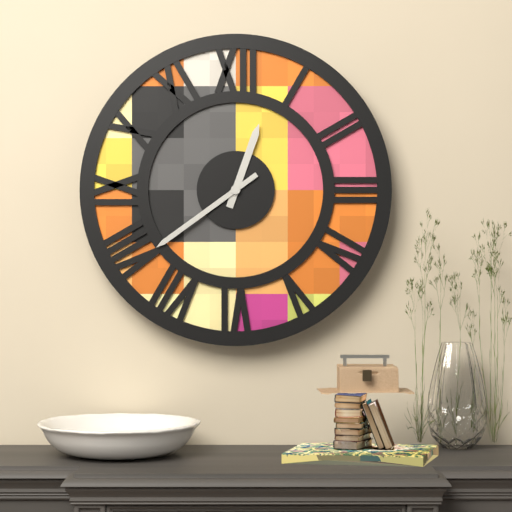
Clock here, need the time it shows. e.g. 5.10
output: 12.39
